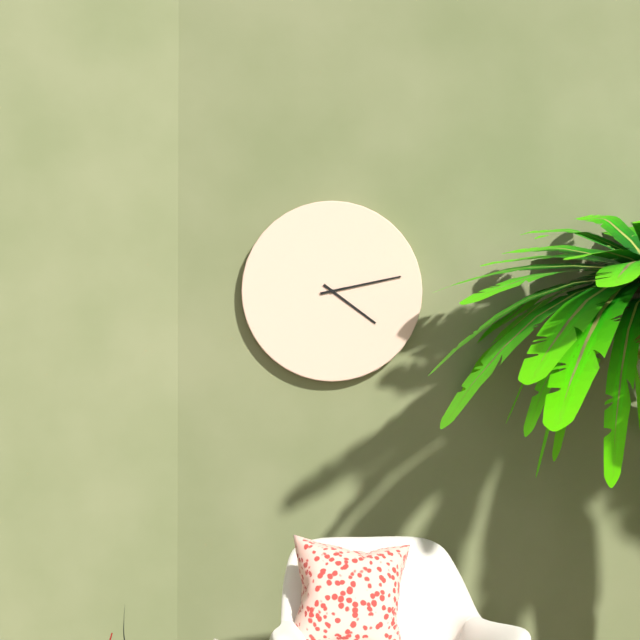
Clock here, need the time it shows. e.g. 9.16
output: 4.13
